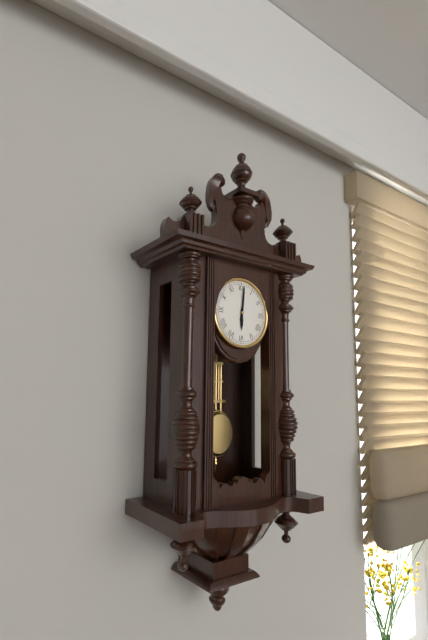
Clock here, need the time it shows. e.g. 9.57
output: 6.01
